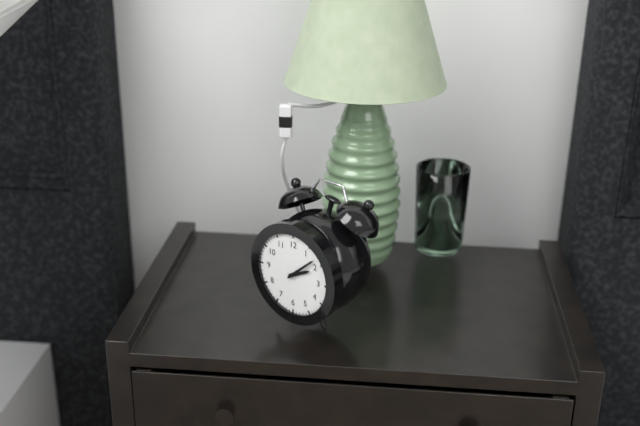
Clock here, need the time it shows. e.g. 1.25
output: 2.08
